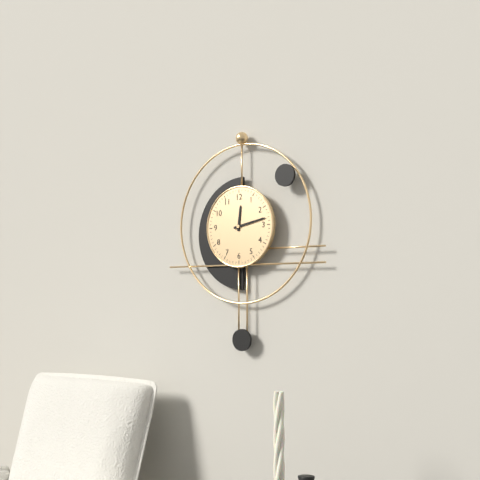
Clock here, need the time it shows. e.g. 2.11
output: 12.13
